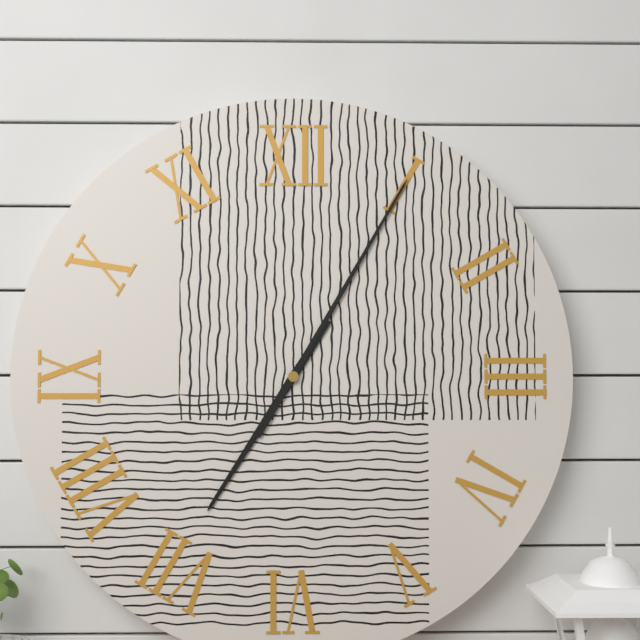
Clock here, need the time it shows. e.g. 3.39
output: 7.05
